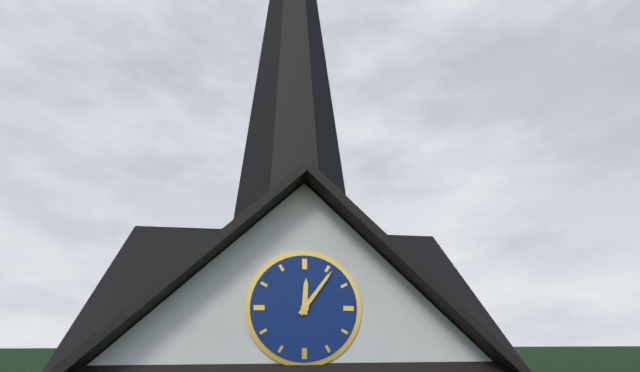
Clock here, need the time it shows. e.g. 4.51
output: 12.06
